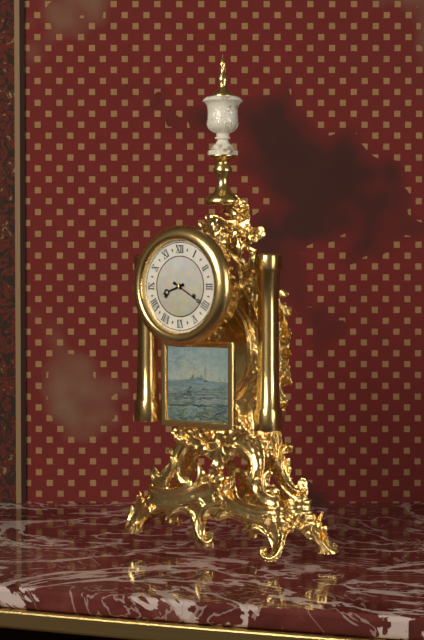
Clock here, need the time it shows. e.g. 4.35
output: 8.20
